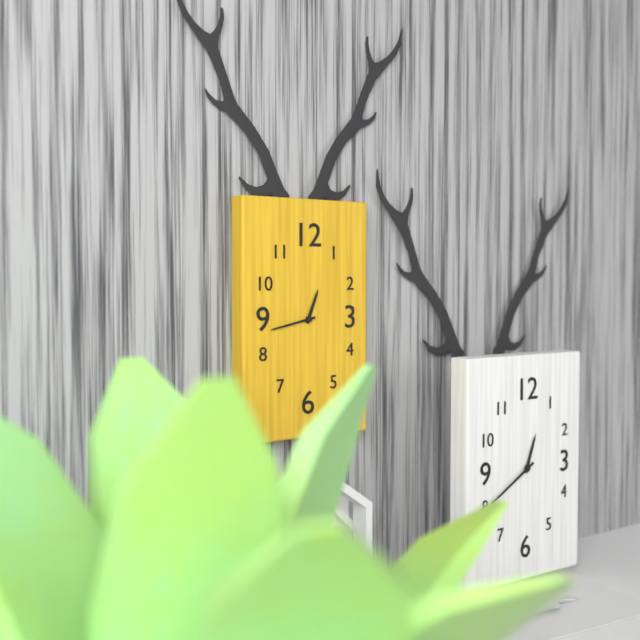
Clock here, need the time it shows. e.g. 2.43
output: 12.43
